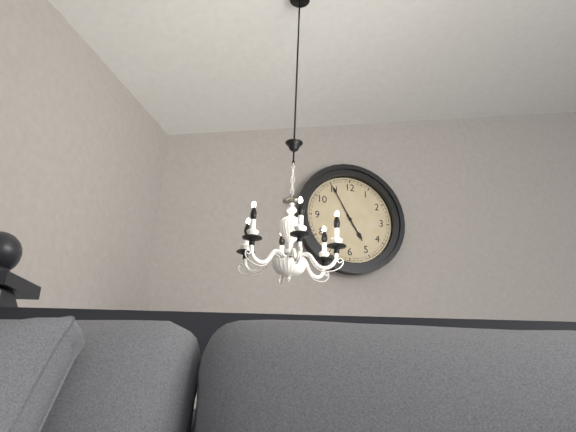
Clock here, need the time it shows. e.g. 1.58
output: 4.55
